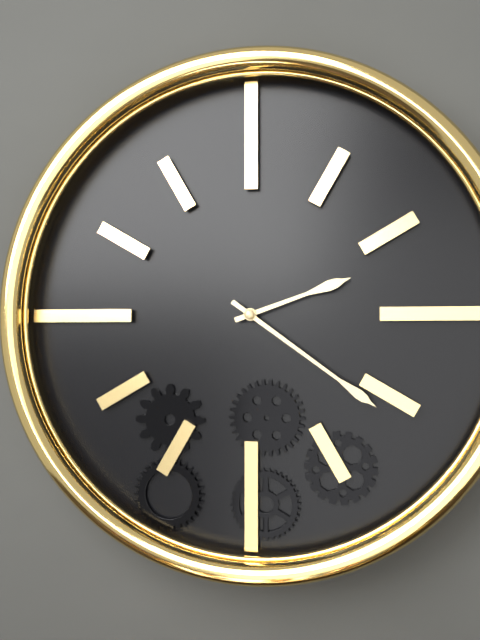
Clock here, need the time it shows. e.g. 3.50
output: 2.21
